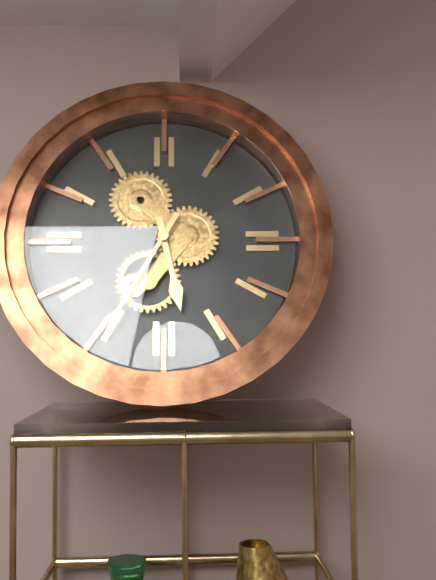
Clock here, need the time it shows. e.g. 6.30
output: 5.35
